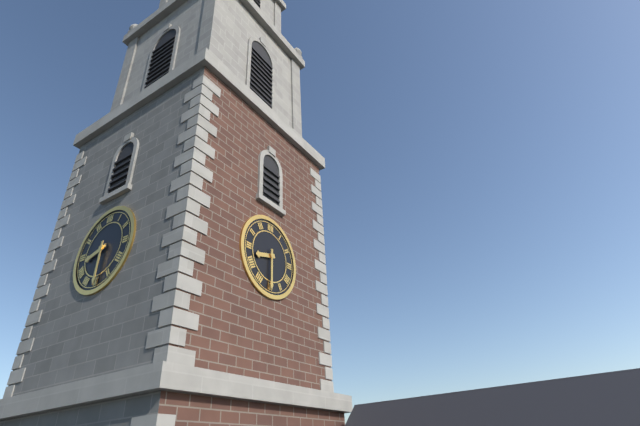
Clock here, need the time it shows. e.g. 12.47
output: 8.30
